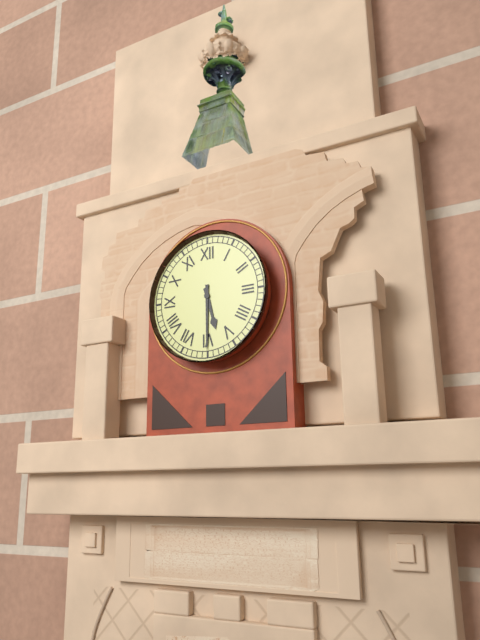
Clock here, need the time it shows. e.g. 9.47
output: 5.30
